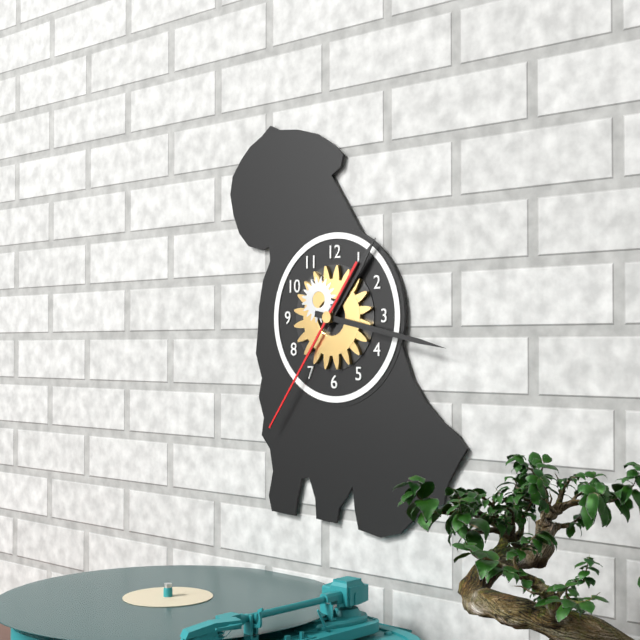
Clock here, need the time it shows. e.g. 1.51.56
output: 1.17.36
